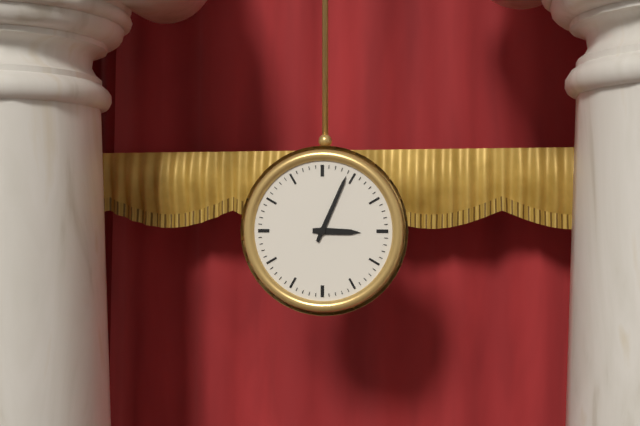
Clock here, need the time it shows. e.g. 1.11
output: 3.04
